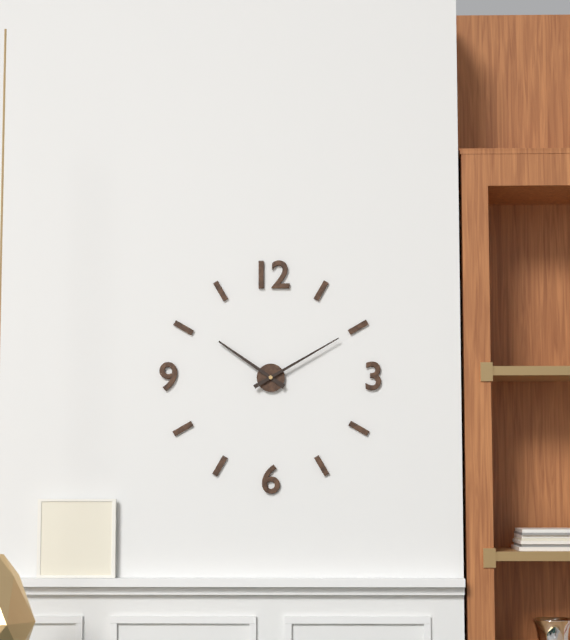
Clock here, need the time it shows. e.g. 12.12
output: 10.10
